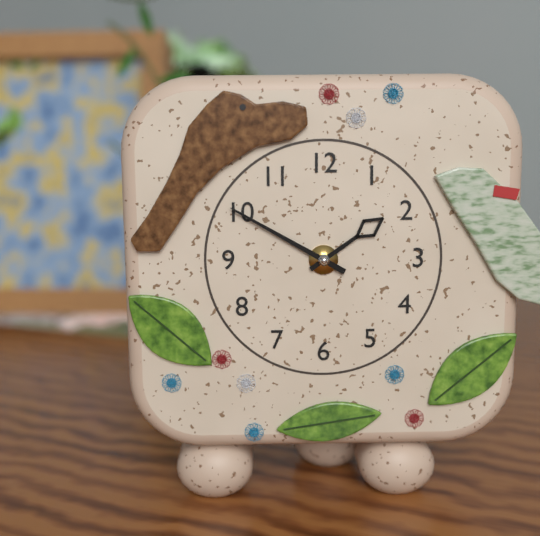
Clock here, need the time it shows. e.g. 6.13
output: 1.50
